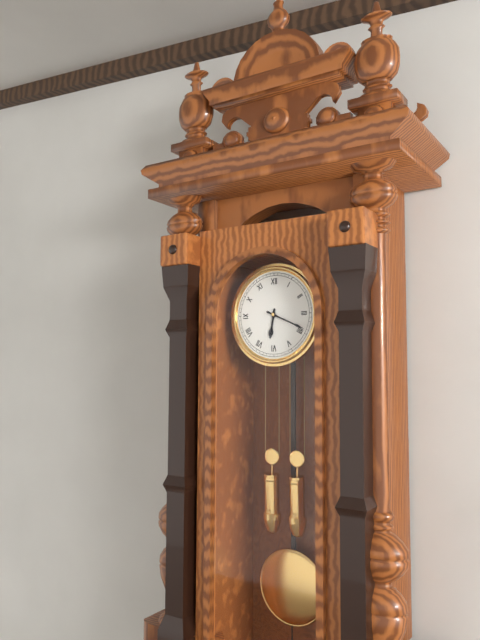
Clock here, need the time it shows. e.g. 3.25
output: 6.19
